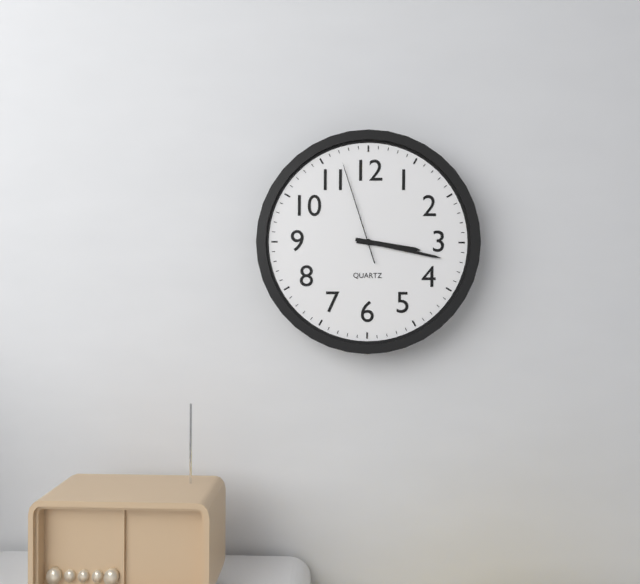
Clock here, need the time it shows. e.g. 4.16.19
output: 3.17.57
